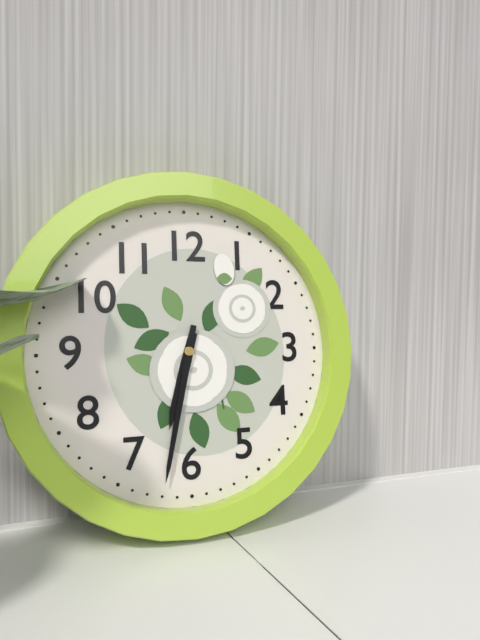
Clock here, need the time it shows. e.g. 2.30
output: 6.32
